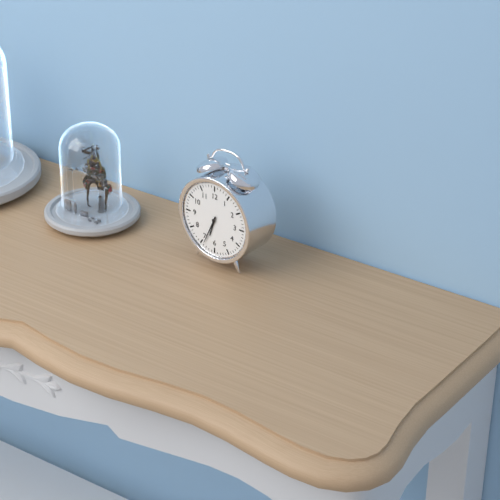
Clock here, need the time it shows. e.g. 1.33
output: 6.34
